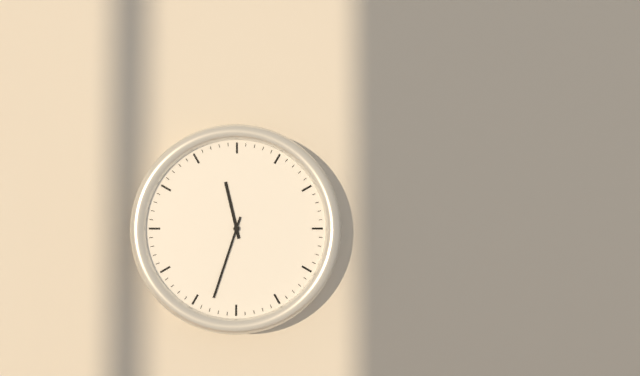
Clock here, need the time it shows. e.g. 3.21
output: 11.33
